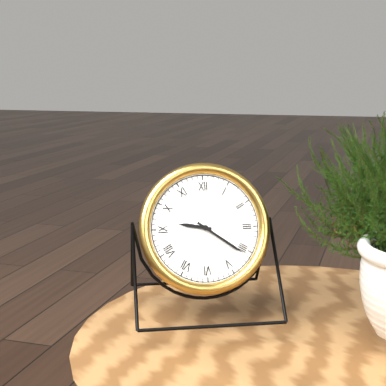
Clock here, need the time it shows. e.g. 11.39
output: 9.21
